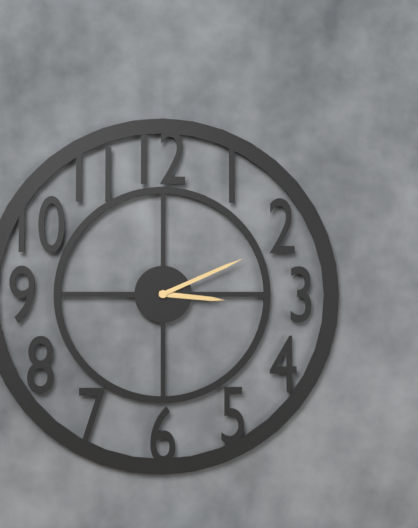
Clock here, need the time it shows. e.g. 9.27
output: 3.11
